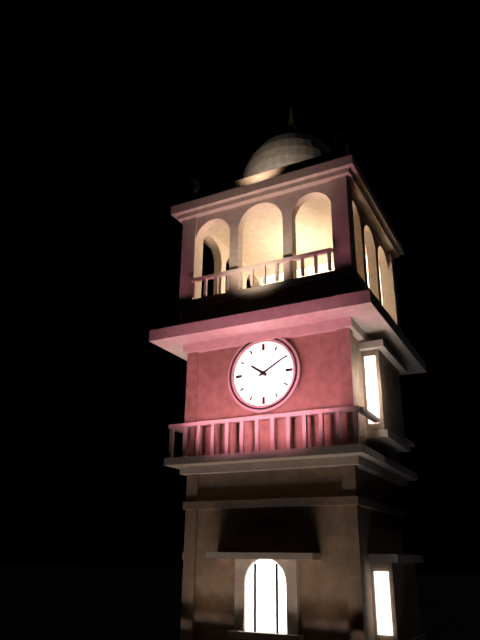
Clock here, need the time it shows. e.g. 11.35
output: 10.10
